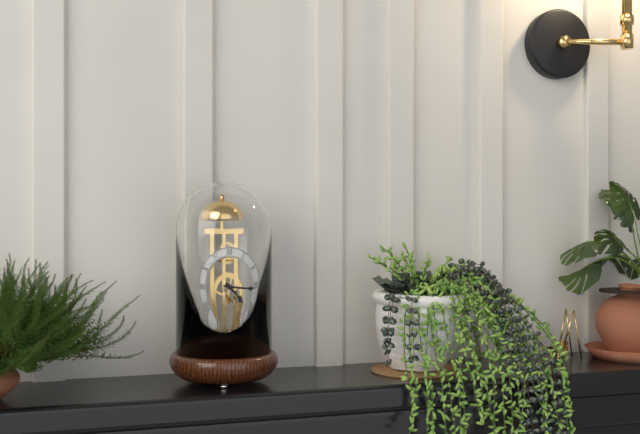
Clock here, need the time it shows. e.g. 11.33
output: 4.16
